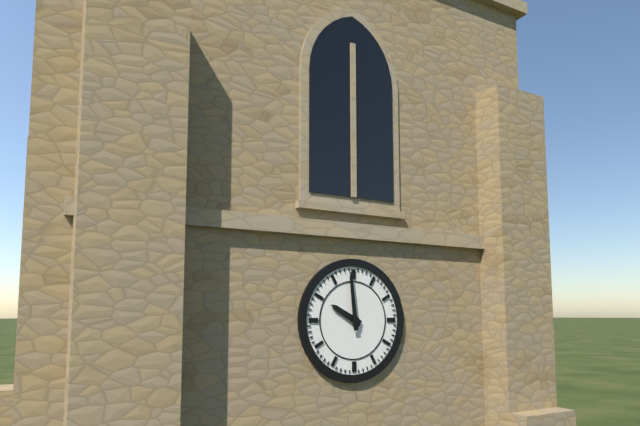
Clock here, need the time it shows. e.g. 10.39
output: 9.59
